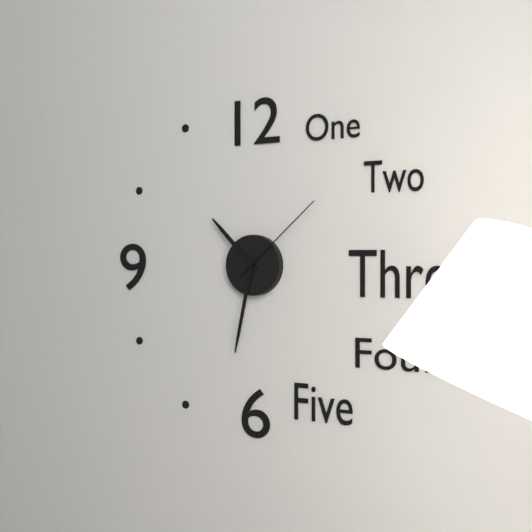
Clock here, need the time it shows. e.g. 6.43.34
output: 10.32.08
